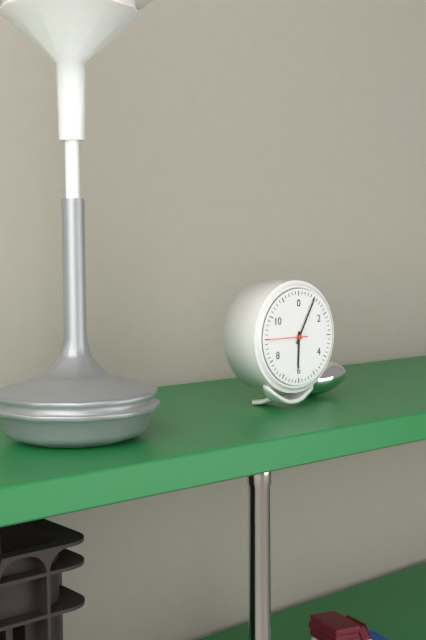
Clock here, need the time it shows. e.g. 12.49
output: 6.05
